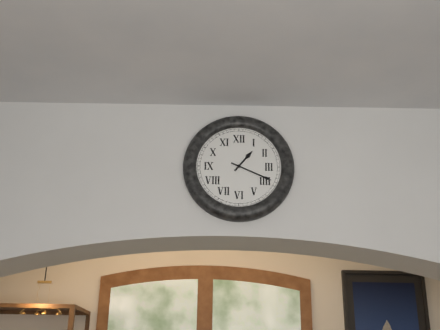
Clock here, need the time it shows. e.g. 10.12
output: 1.19
